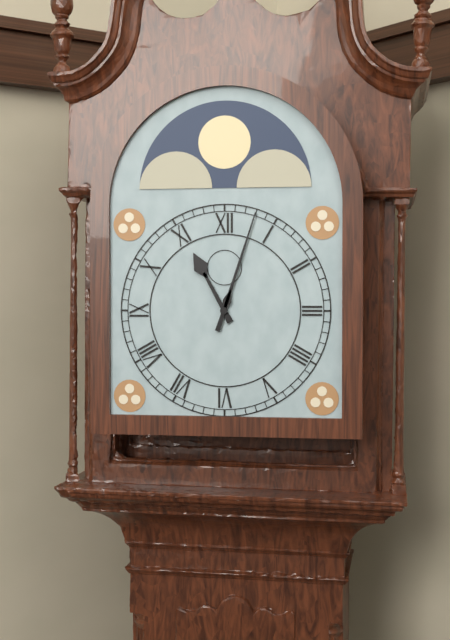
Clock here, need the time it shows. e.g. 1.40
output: 11.03
